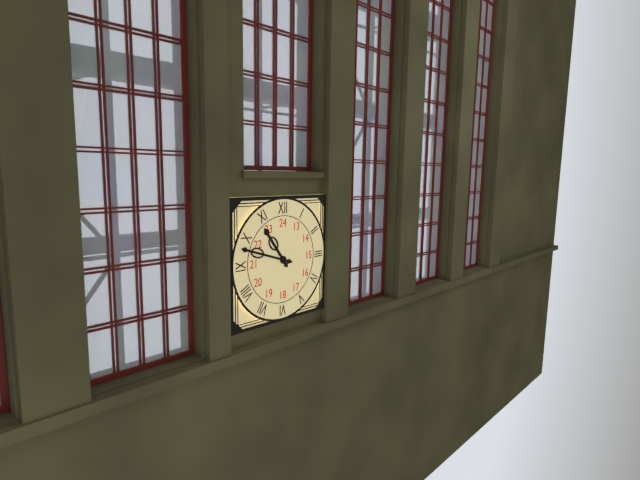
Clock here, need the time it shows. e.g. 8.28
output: 10.48
